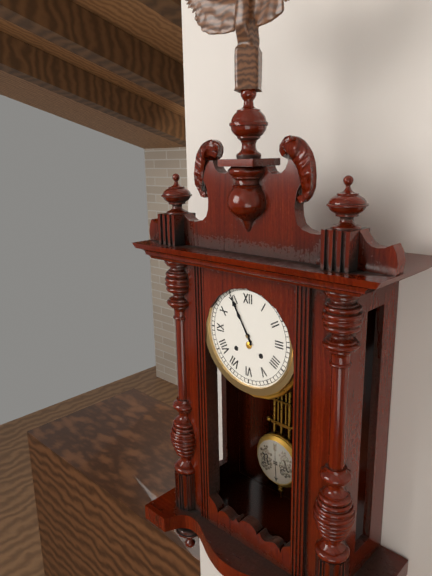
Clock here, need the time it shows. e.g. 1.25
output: 10.55
